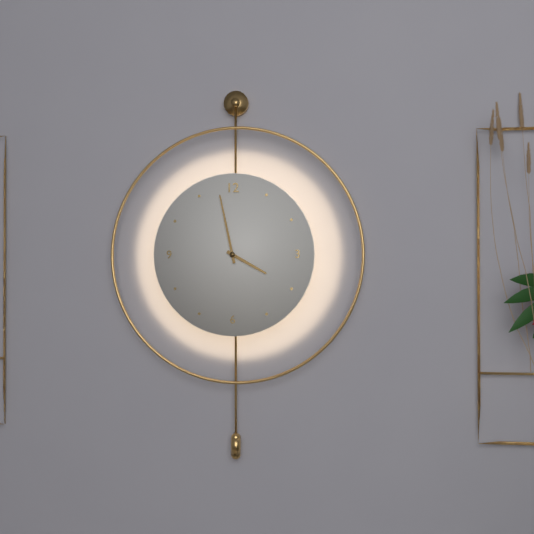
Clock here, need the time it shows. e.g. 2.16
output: 3.58
